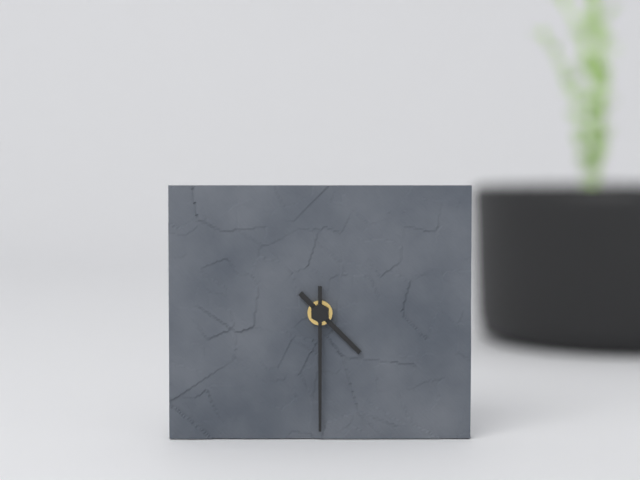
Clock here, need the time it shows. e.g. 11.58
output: 4.30
